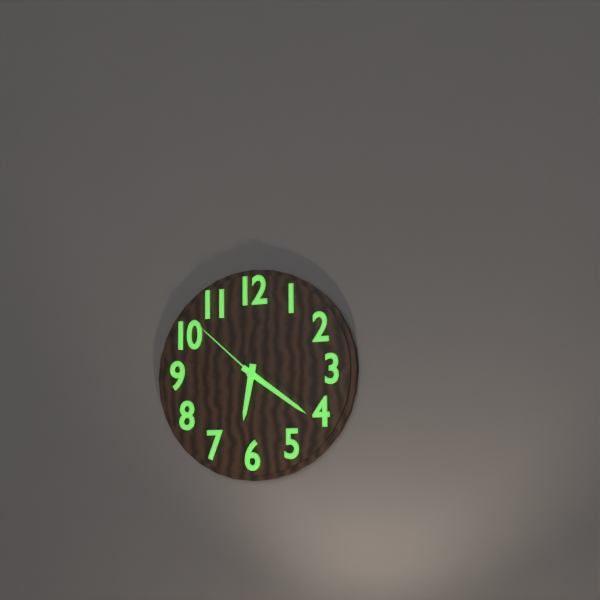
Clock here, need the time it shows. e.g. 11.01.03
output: 6.21.52
